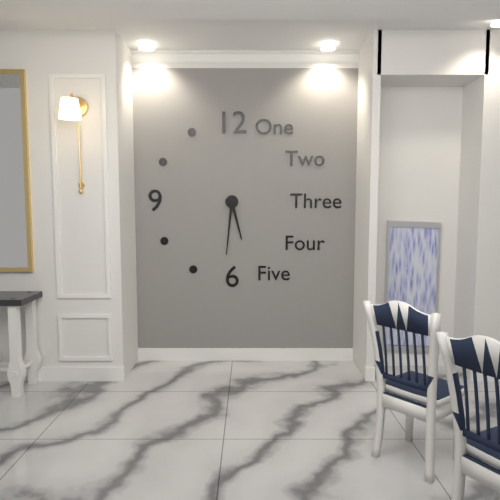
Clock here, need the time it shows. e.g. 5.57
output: 5.31
